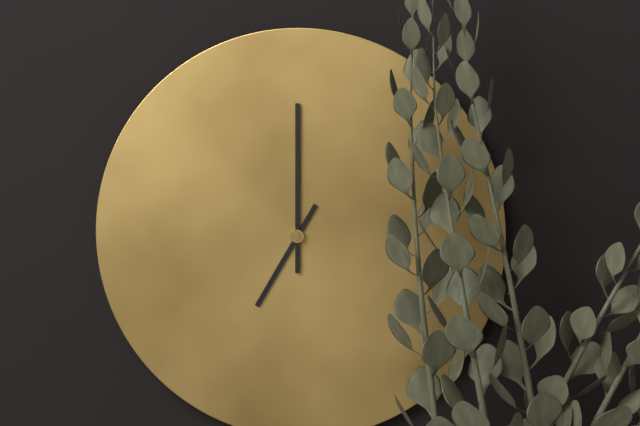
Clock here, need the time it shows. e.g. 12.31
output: 7.00
